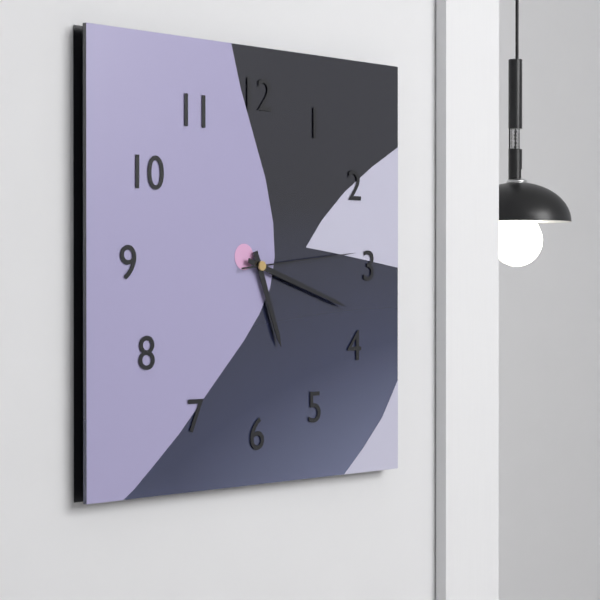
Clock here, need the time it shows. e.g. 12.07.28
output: 5.18.14
